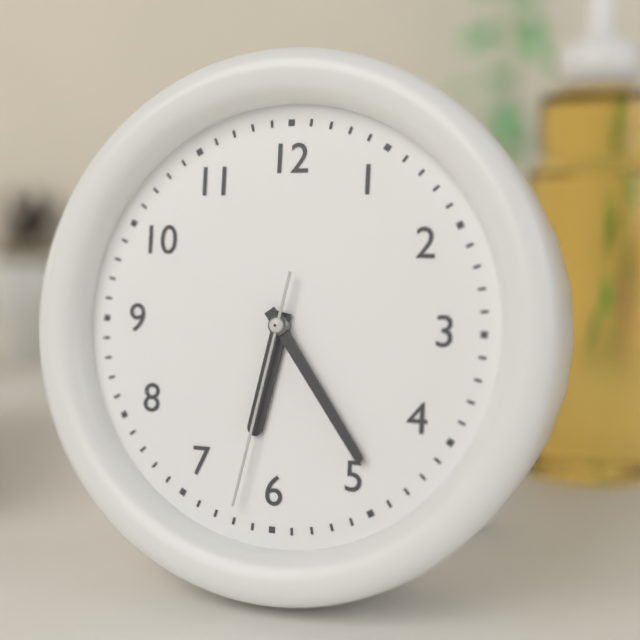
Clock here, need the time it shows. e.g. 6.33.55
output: 6.24.32
